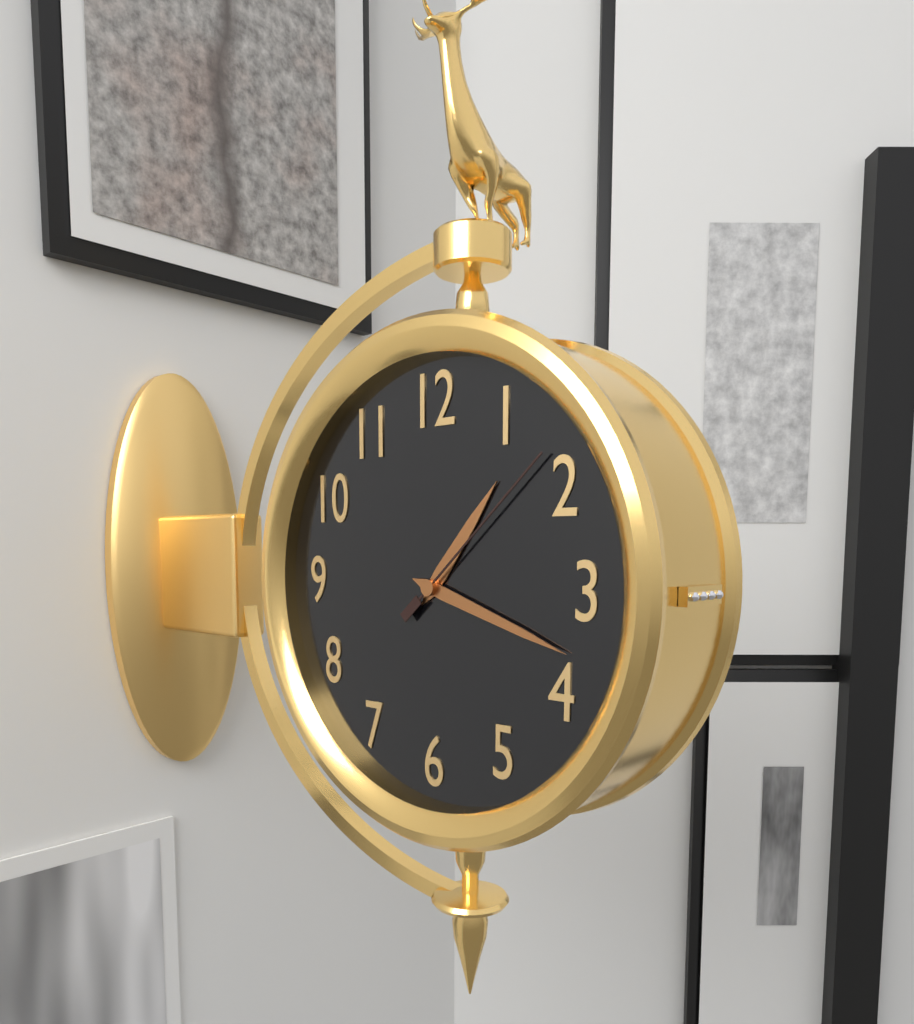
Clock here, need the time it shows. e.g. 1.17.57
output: 1.18.08
